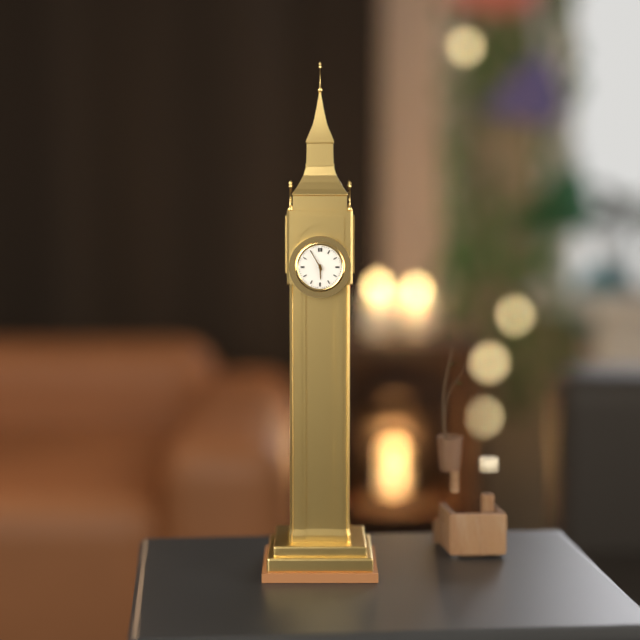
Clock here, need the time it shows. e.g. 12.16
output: 5.55
